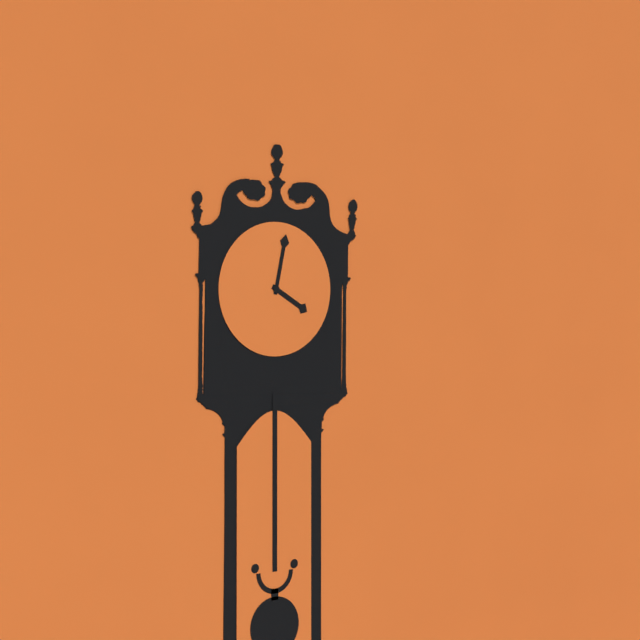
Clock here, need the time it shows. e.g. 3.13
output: 4.02
